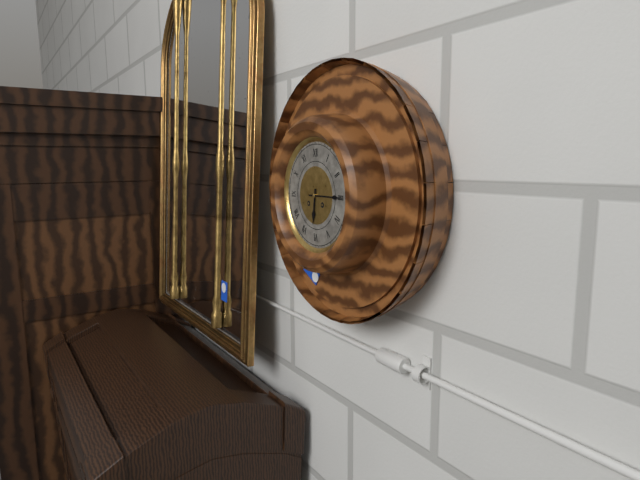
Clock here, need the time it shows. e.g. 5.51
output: 6.15
